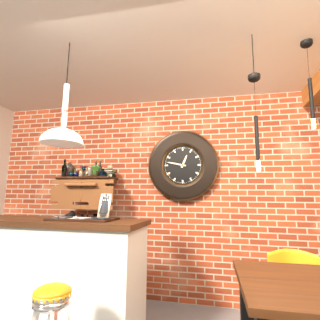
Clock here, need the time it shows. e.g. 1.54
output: 12.47
